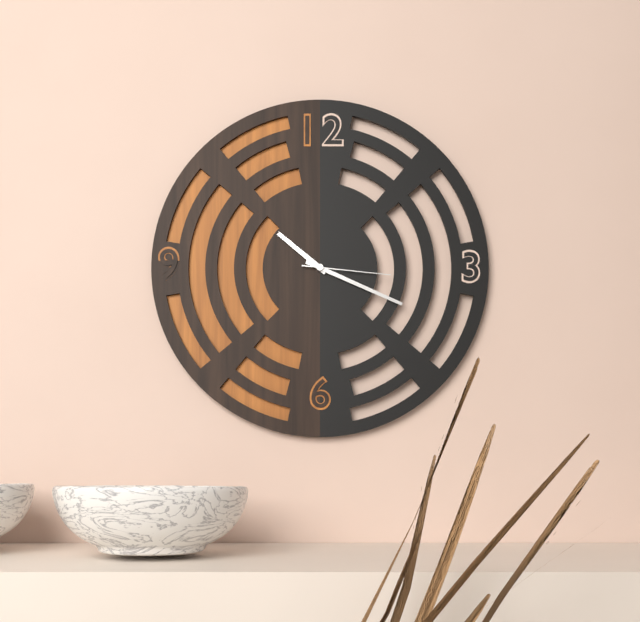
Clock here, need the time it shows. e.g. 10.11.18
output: 10.19.16
